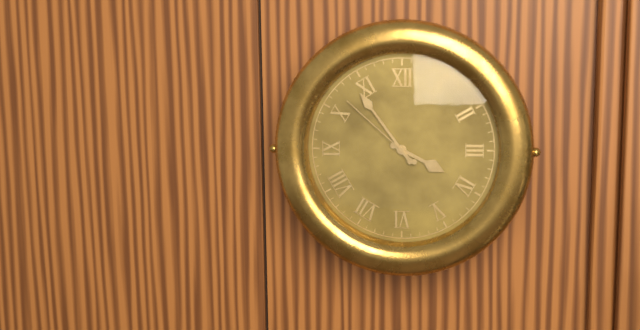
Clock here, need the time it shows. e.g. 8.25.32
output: 3.54.52
